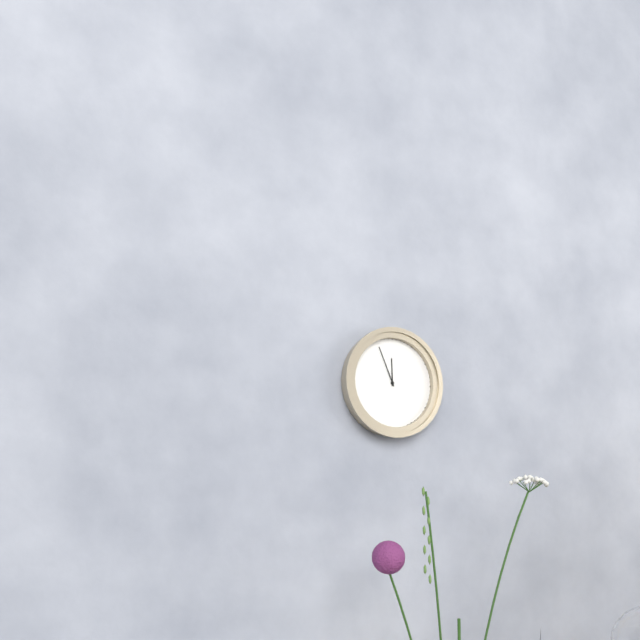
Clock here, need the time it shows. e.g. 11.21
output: 11.56
